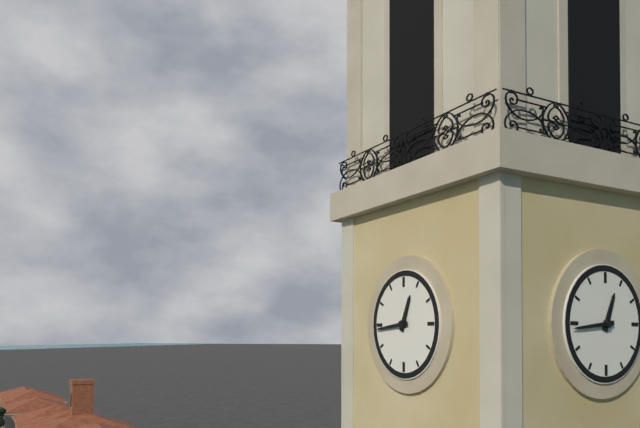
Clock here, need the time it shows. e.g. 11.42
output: 12.44
